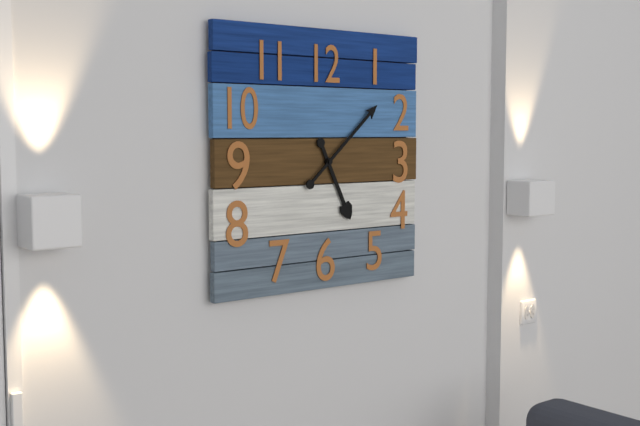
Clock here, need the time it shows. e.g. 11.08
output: 5.08
